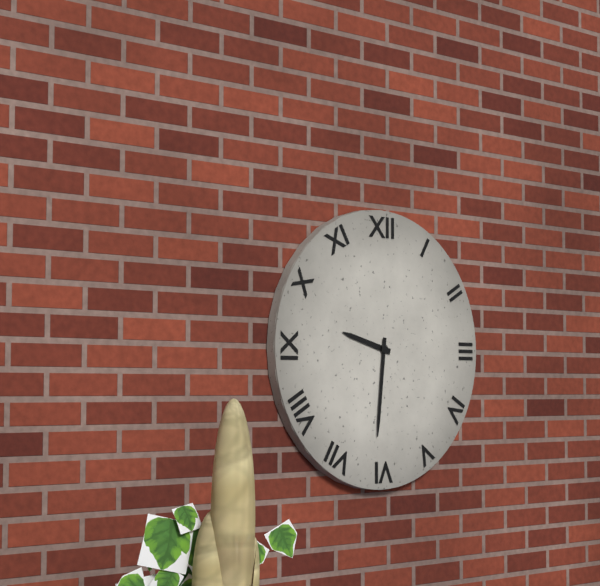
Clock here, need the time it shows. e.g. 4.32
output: 9.31
